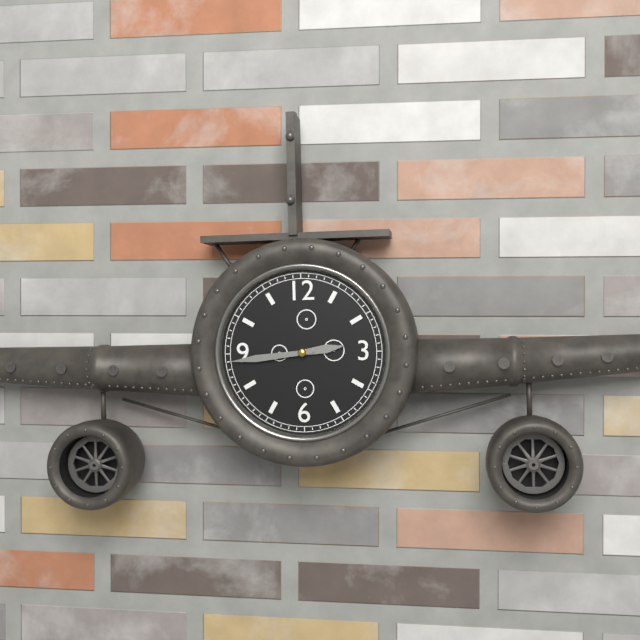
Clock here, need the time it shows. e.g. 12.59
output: 2.44
